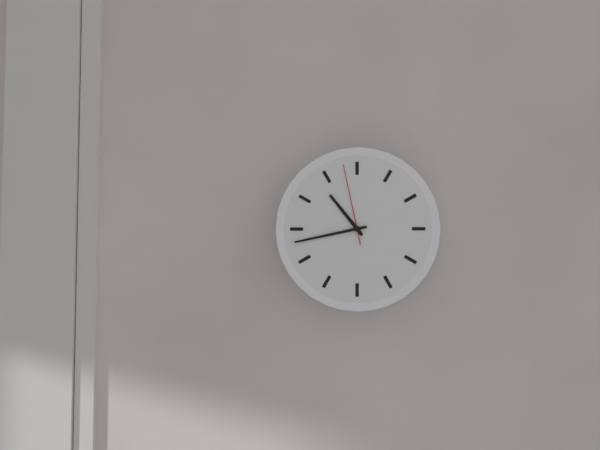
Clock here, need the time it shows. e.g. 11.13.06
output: 10.43.58
